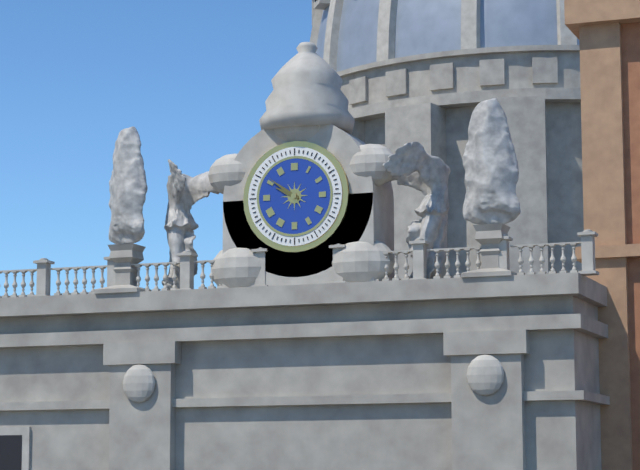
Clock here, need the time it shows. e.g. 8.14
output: 9.51
